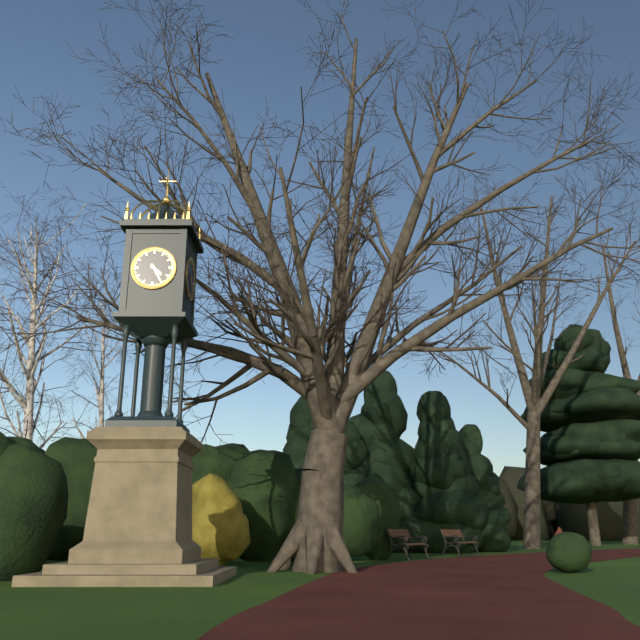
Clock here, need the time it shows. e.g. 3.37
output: 4.25
